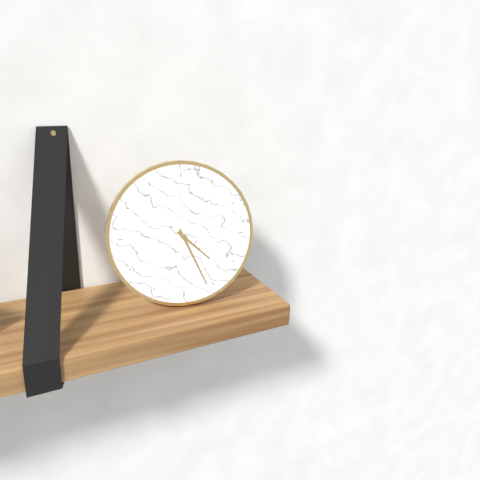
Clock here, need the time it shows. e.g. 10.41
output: 4.26
